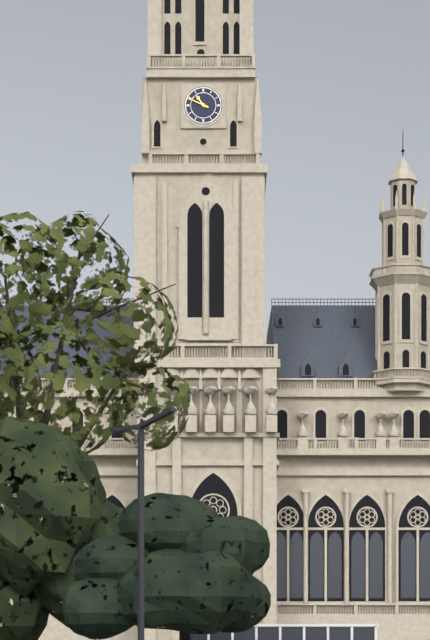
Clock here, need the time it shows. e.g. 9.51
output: 10.49
